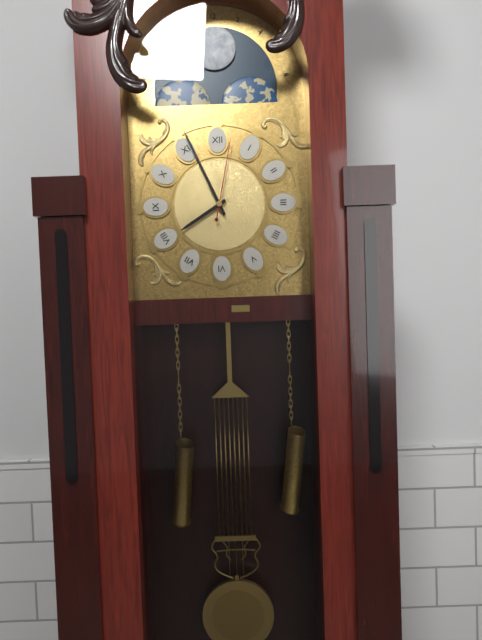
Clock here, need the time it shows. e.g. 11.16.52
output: 7.56.02
